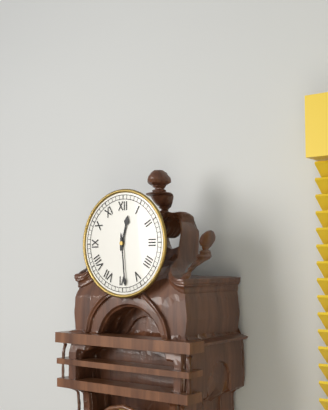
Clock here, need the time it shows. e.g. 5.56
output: 12.29
